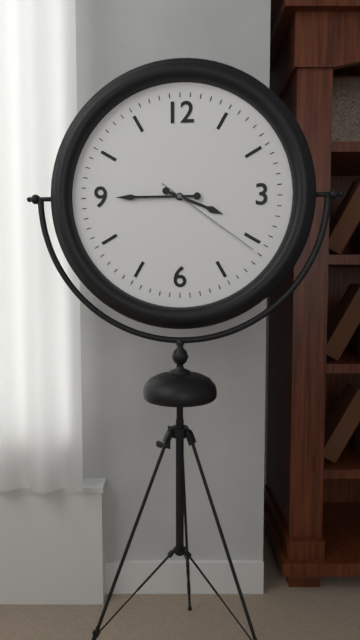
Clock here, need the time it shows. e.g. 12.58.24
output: 3.45.21
